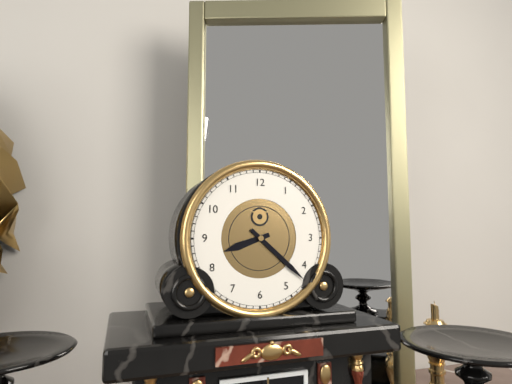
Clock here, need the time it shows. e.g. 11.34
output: 8.22
